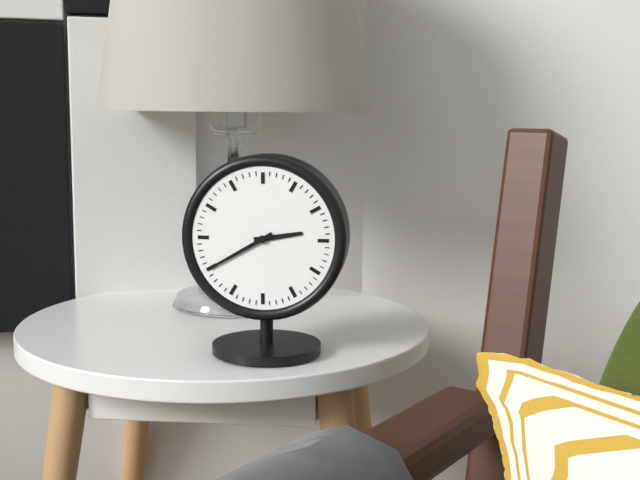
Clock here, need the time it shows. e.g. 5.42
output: 2.40
